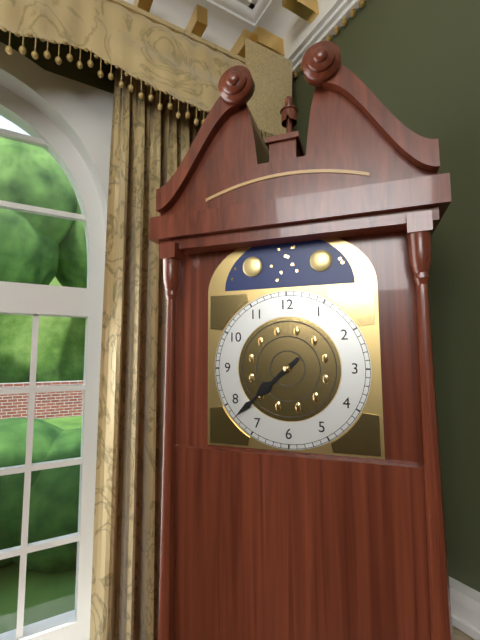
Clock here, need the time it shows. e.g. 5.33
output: 7.38
